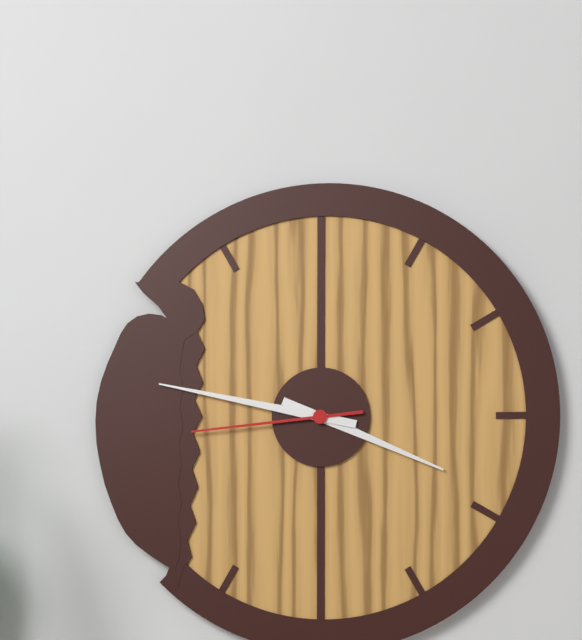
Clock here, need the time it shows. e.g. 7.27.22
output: 3.47.44
